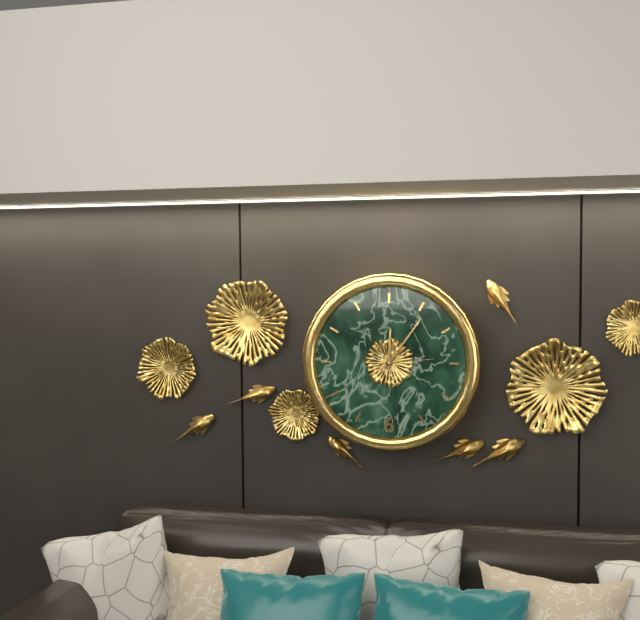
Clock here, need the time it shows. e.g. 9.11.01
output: 12.06.14
